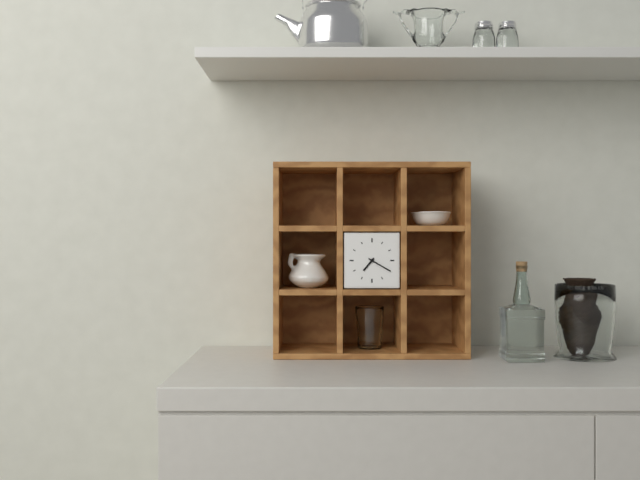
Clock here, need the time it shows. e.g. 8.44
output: 7.20
